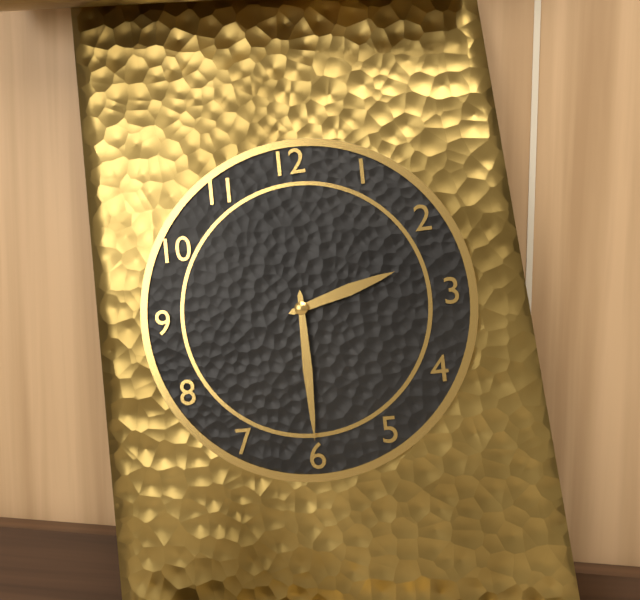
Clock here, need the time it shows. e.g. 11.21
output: 2.30
